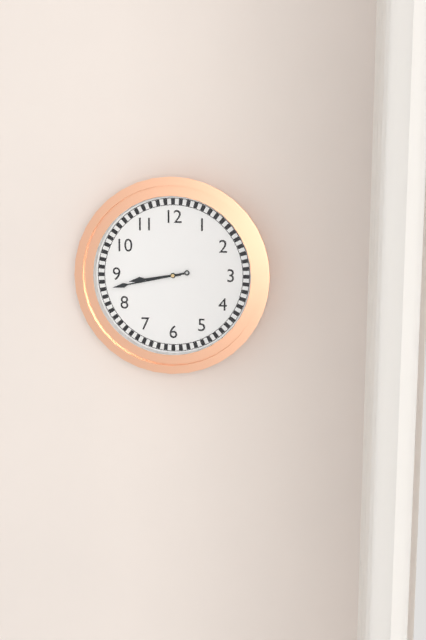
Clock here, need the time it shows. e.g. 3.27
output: 8.43
